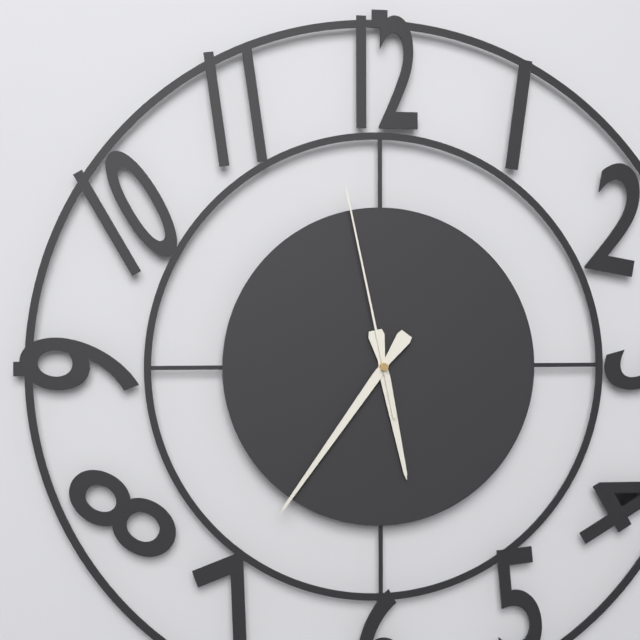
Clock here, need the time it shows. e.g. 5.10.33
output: 5.36.58
